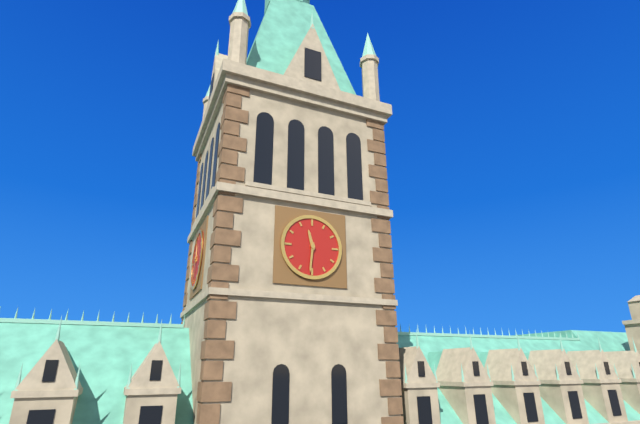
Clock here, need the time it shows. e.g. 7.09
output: 11.31
